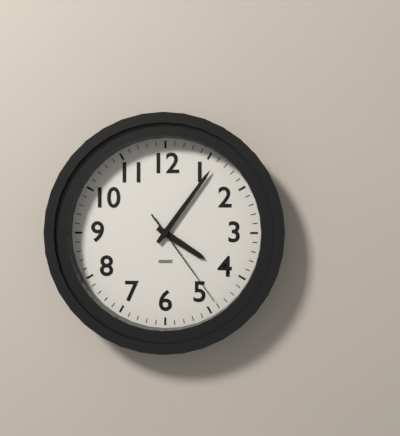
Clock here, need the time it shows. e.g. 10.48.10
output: 4.06.24
